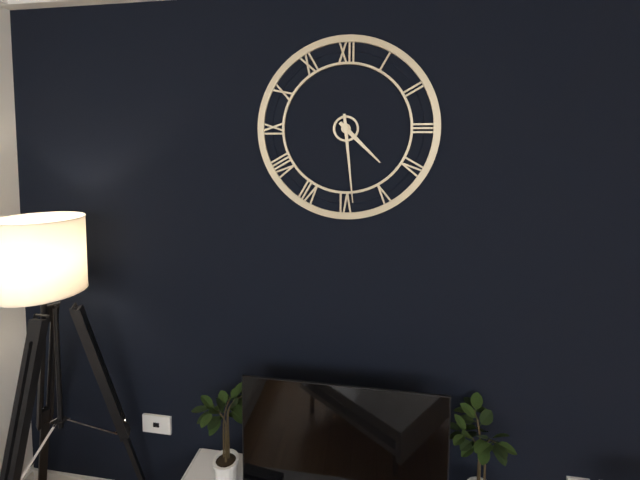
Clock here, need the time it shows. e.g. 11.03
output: 4.29
